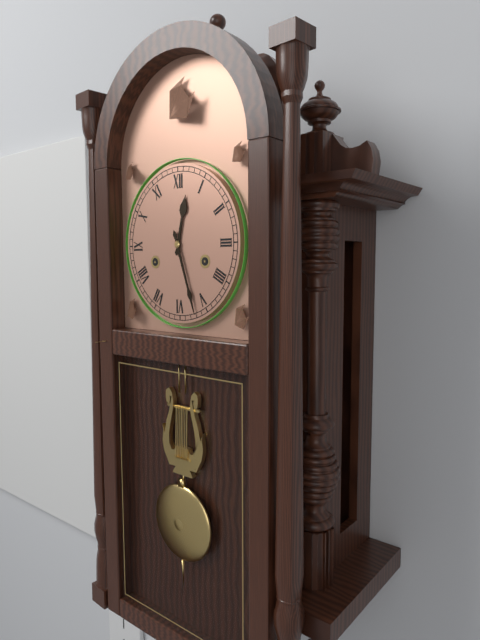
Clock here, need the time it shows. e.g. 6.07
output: 12.27
